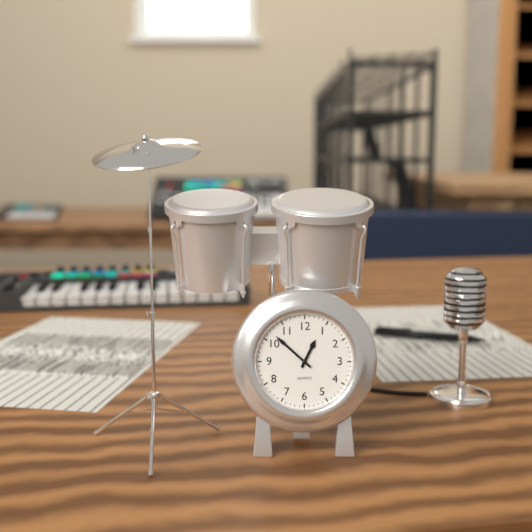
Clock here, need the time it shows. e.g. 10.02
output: 12.52
